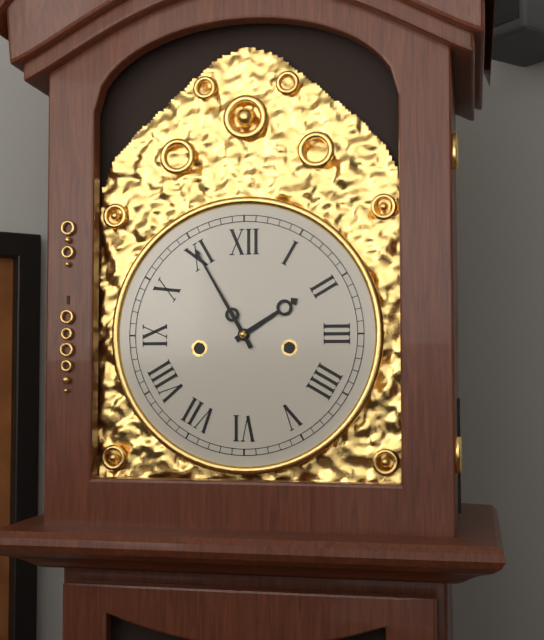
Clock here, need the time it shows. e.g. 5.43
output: 1.55
